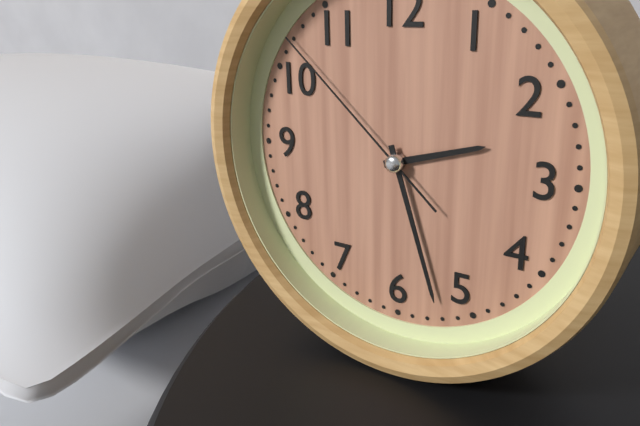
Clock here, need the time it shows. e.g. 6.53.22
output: 2.27.52
